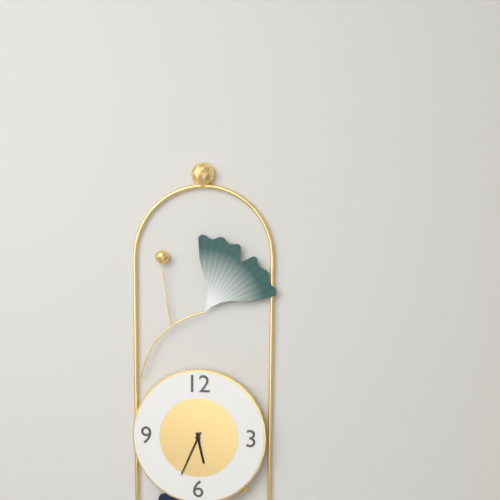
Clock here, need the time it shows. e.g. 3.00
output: 5.34
